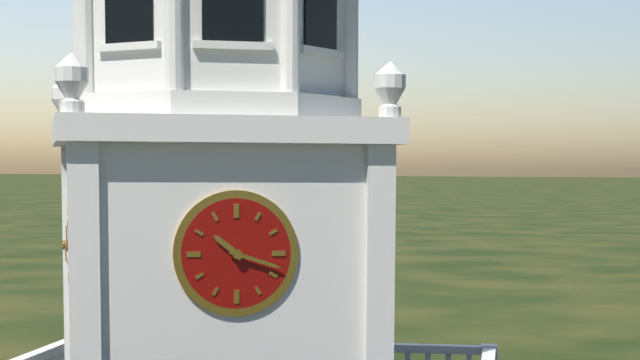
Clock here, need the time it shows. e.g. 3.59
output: 10.18
